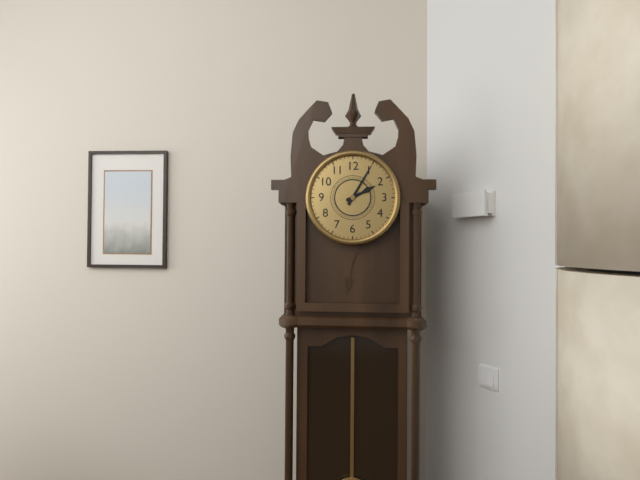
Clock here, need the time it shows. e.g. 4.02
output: 2.05
